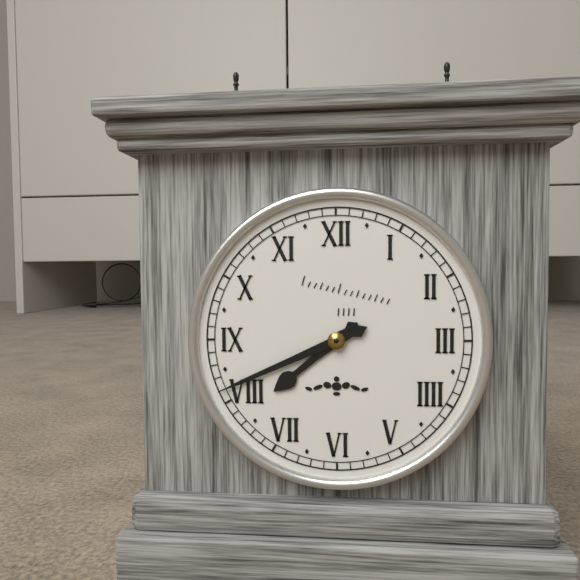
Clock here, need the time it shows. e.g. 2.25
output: 7.41
